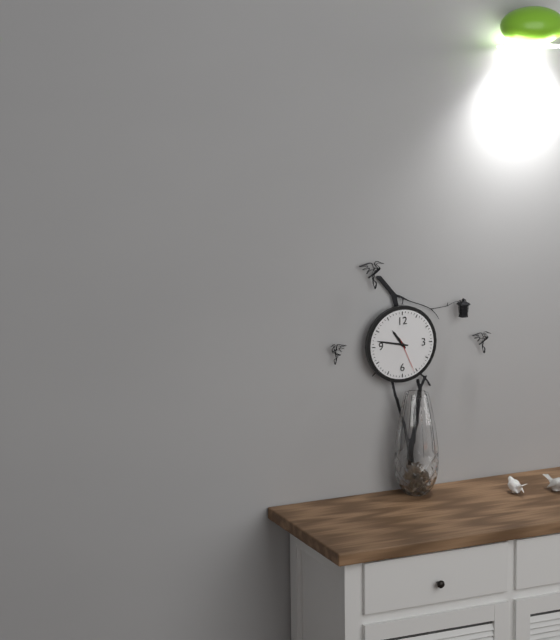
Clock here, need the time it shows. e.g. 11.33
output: 10.47
